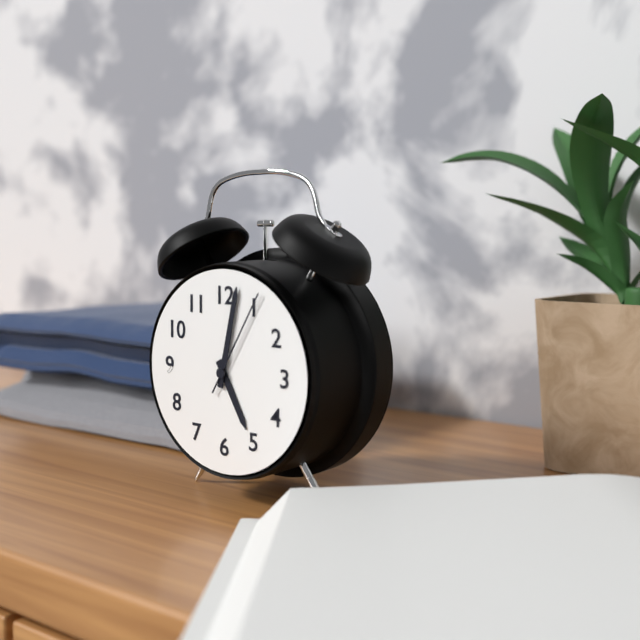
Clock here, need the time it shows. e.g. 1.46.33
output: 5.02.05
